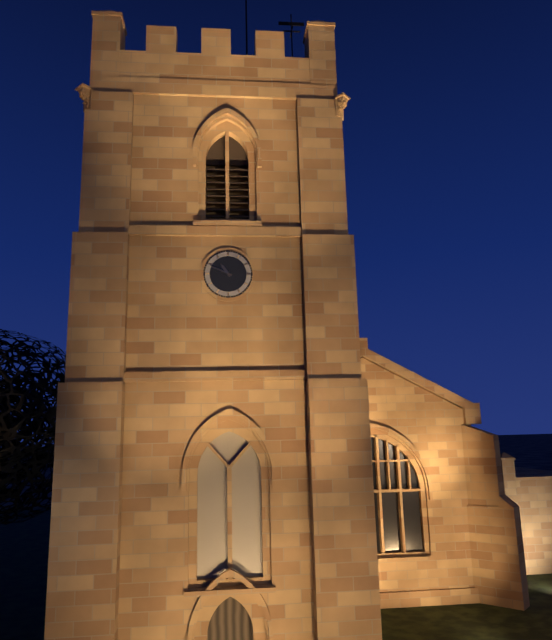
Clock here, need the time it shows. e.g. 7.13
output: 10.49
